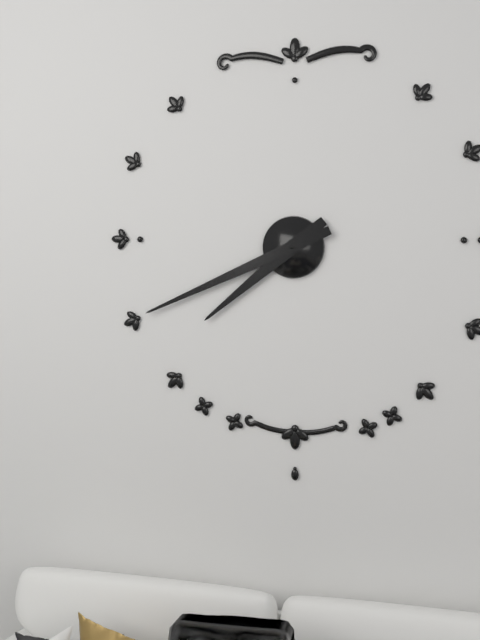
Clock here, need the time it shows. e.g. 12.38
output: 7.41
